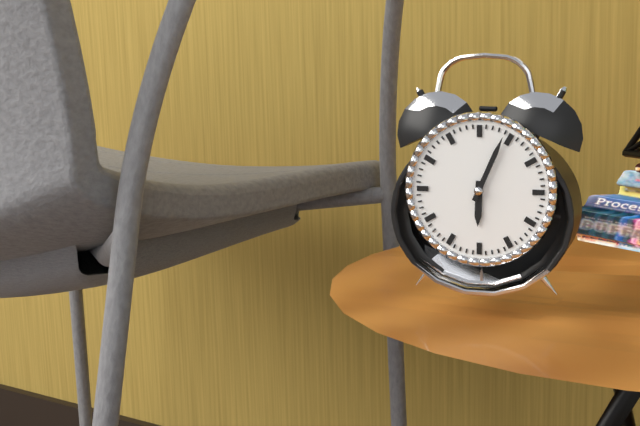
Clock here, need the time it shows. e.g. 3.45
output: 6.04
